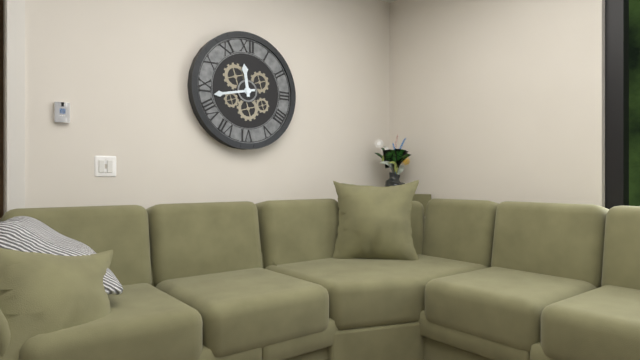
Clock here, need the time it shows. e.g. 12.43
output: 11.43
